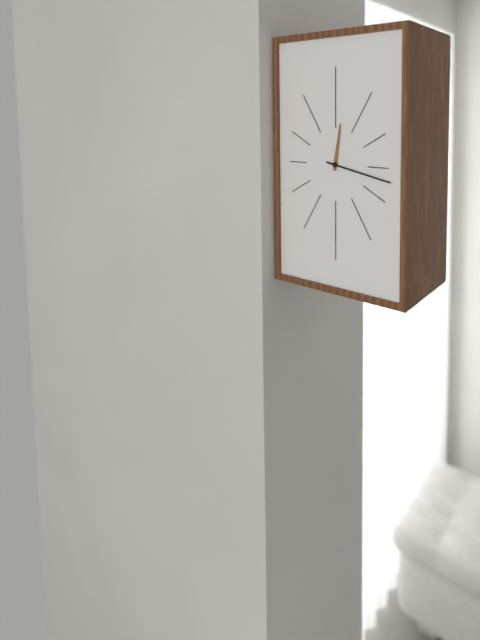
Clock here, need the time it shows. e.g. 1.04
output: 12.17
